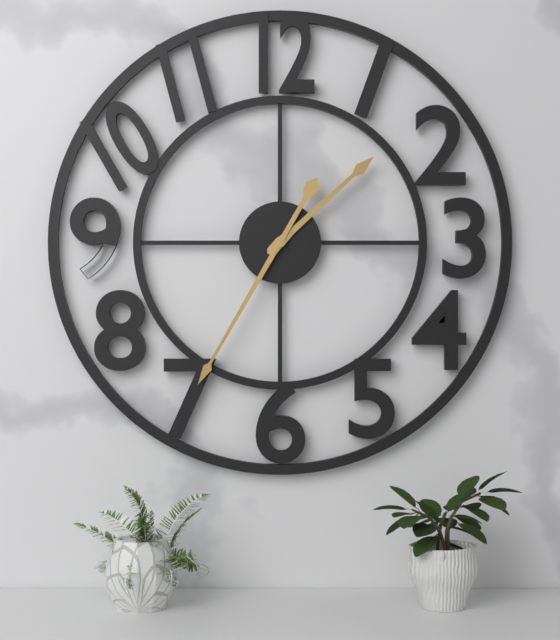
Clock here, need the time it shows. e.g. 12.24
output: 1.35
